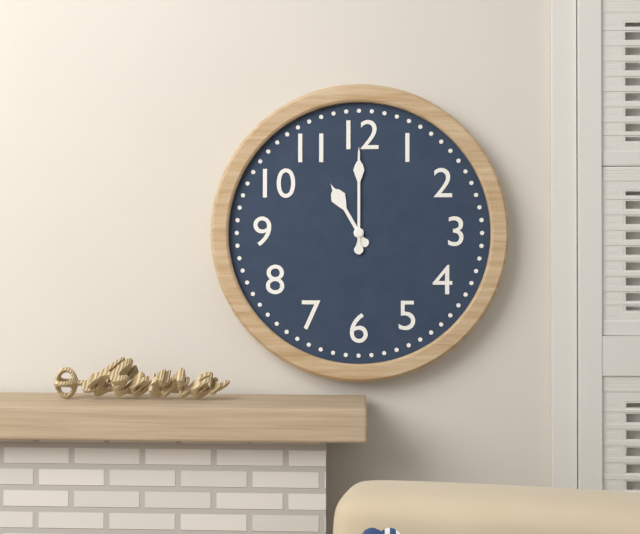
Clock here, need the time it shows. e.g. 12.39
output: 11.00
